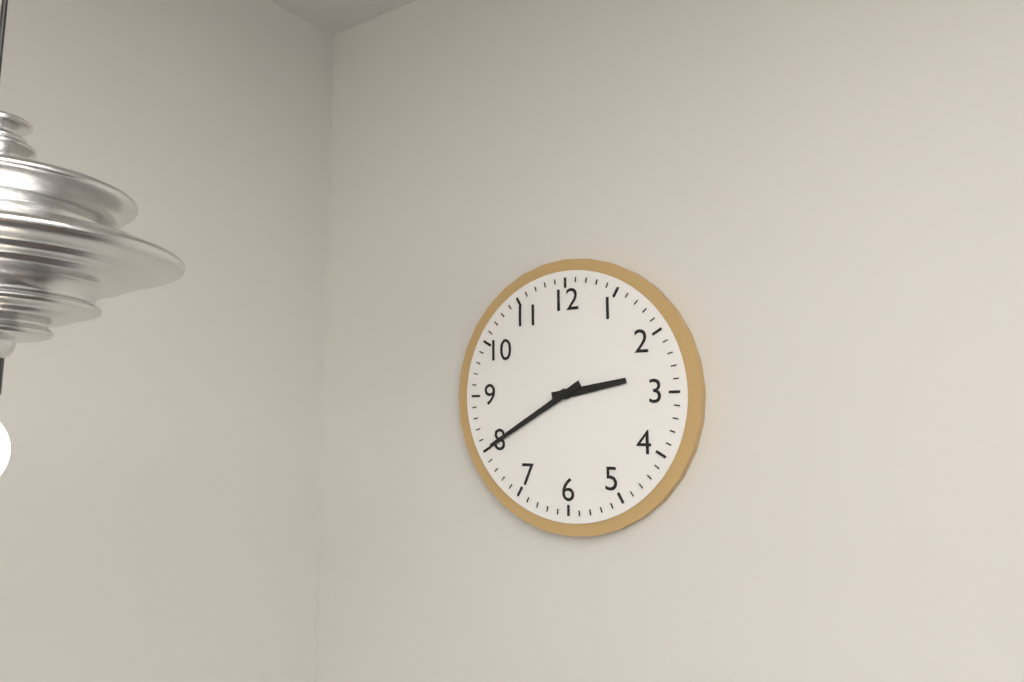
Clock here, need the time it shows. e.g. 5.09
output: 2.40
